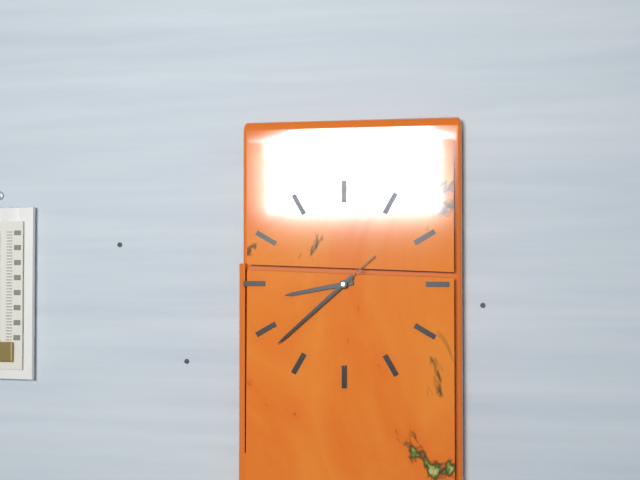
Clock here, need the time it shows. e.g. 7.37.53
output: 8.38.38
